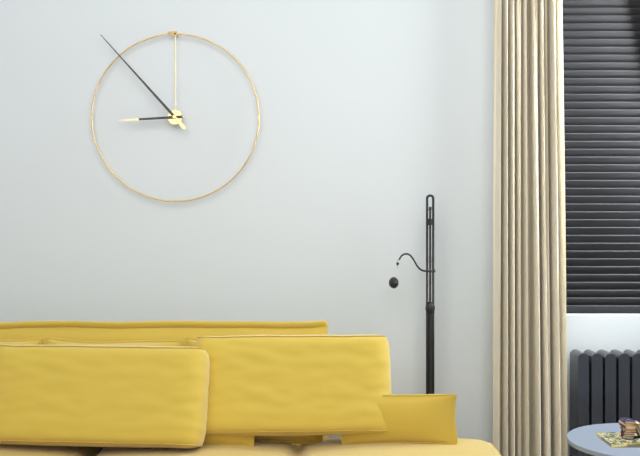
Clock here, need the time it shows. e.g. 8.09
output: 8.53
